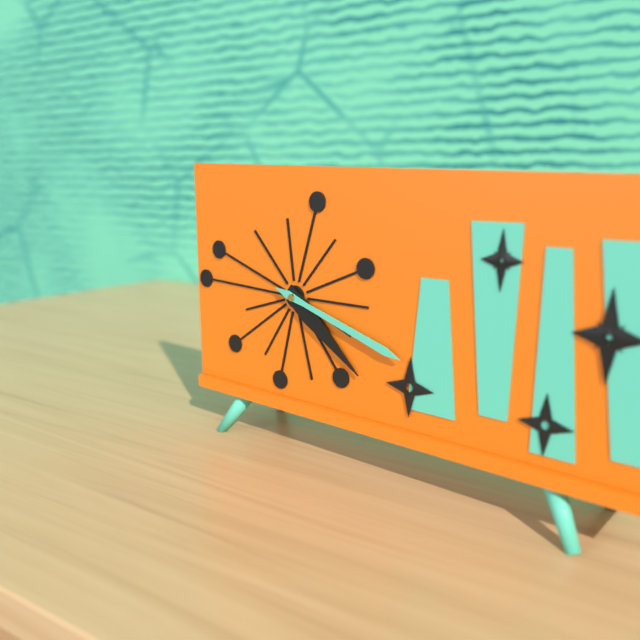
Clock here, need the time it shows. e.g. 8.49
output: 4.18
